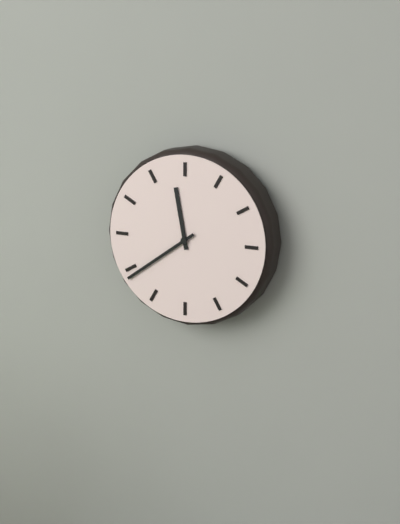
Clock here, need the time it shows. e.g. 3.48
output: 11.39
